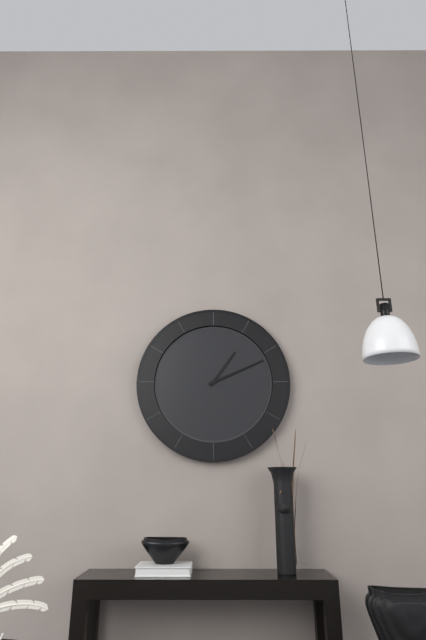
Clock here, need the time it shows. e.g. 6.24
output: 1.11
